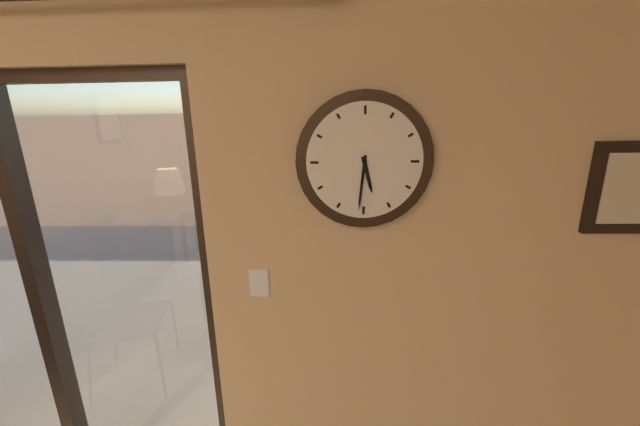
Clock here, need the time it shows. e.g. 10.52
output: 5.31
